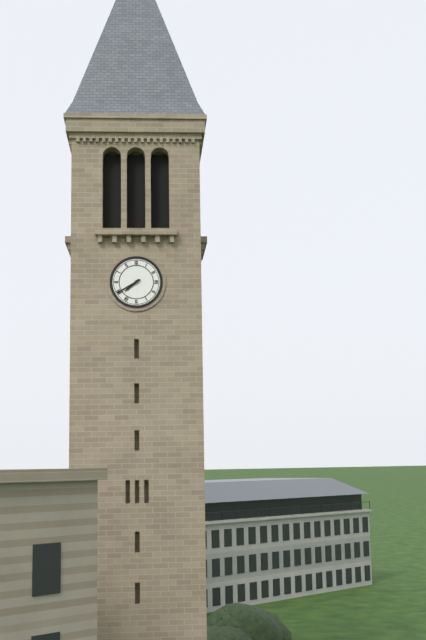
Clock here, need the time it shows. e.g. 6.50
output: 7.40
